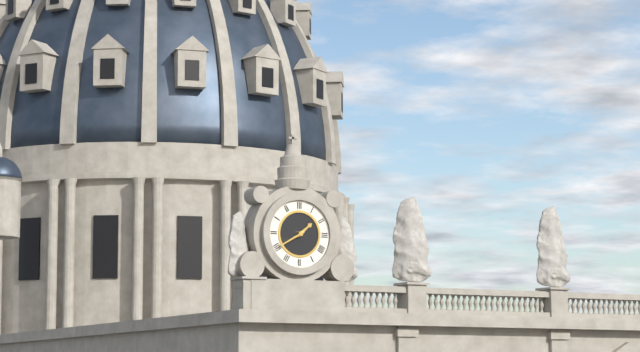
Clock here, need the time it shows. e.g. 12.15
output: 1.40
